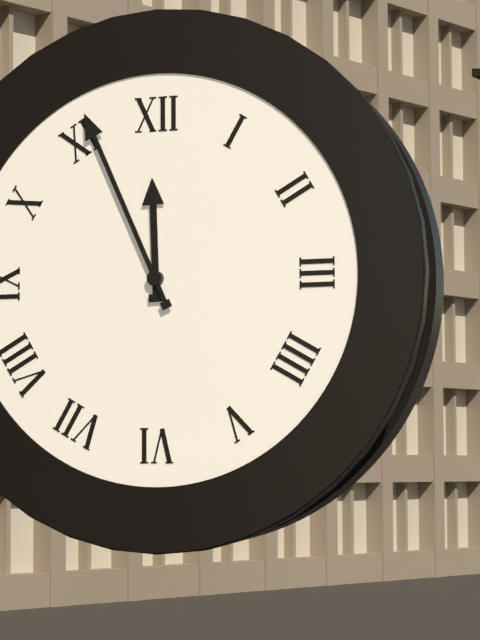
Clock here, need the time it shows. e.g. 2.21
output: 11.56
